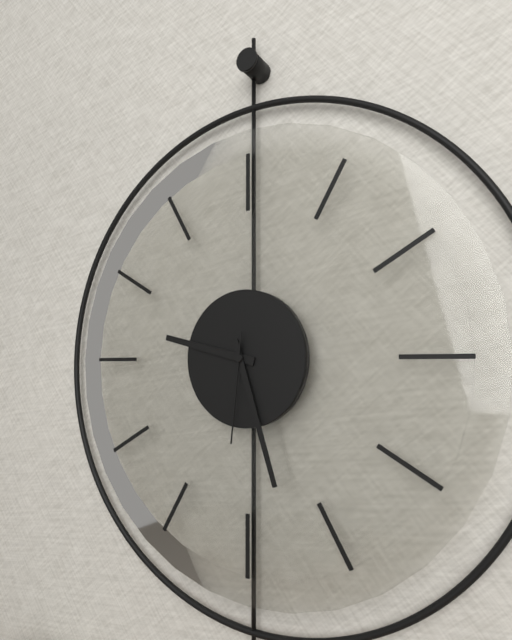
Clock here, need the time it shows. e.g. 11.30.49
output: 9.27.31
